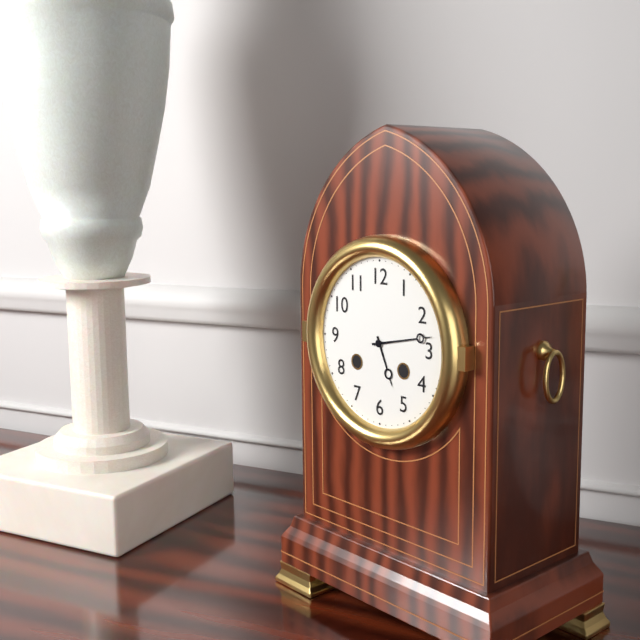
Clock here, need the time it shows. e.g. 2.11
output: 5.13
